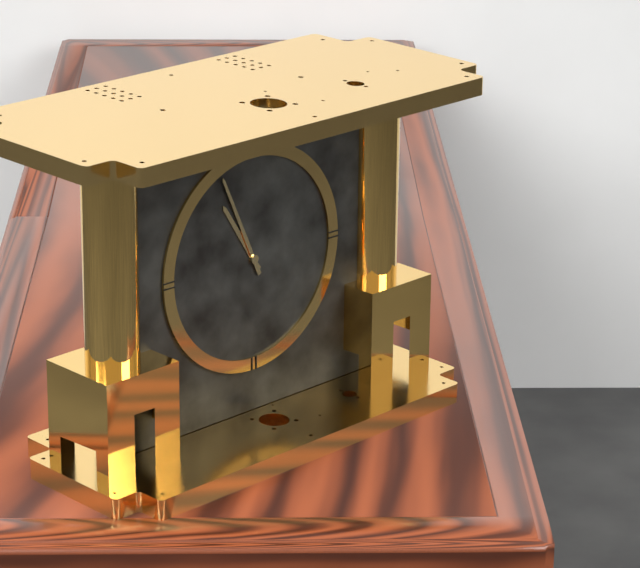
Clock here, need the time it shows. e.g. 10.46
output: 10.56
